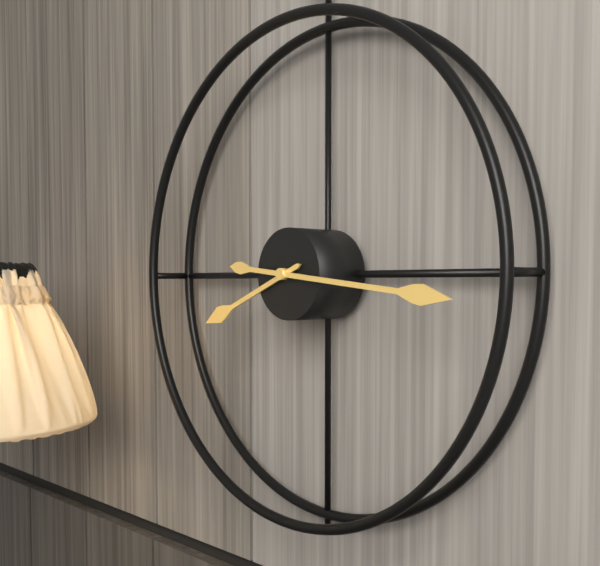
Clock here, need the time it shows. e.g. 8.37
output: 8.16
